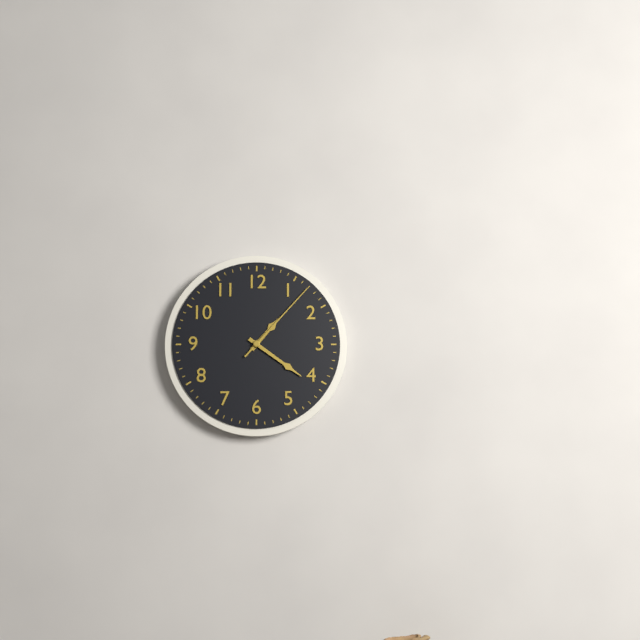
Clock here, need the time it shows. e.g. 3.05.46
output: 1.21.07
